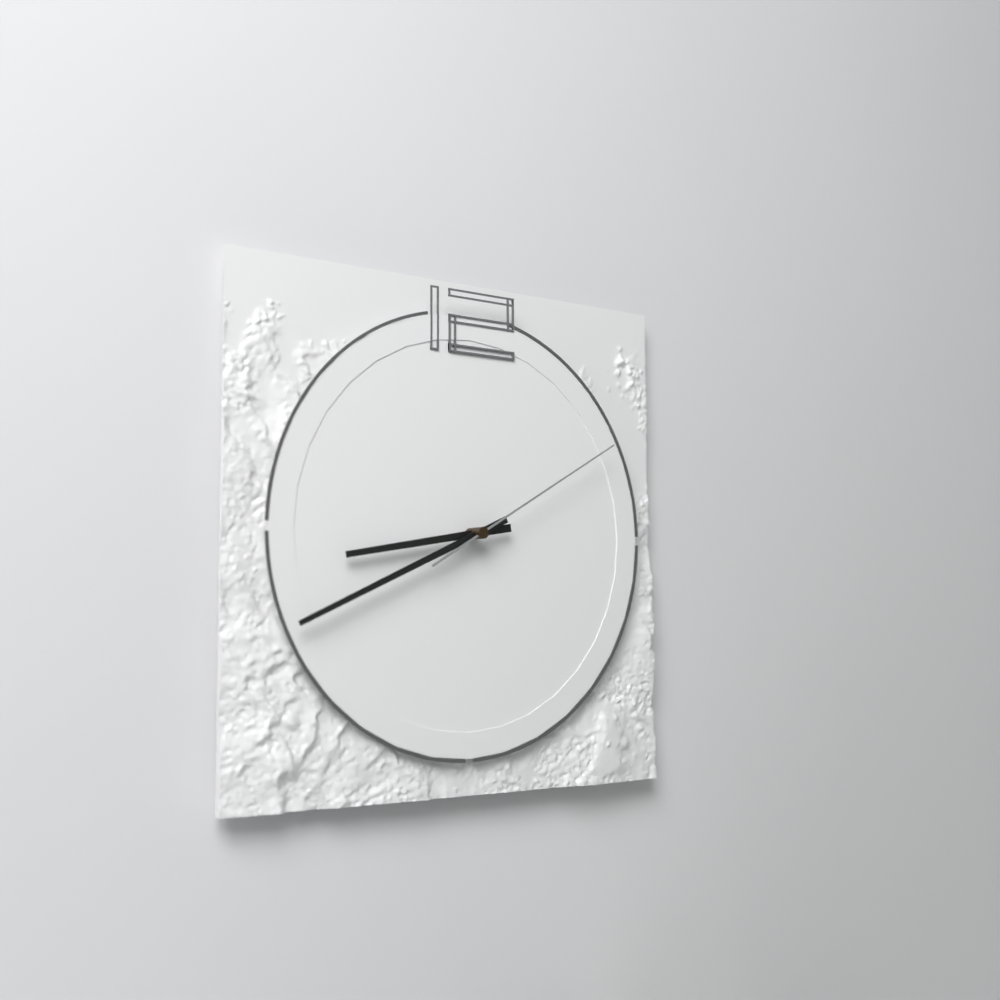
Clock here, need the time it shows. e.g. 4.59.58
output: 8.41.10
